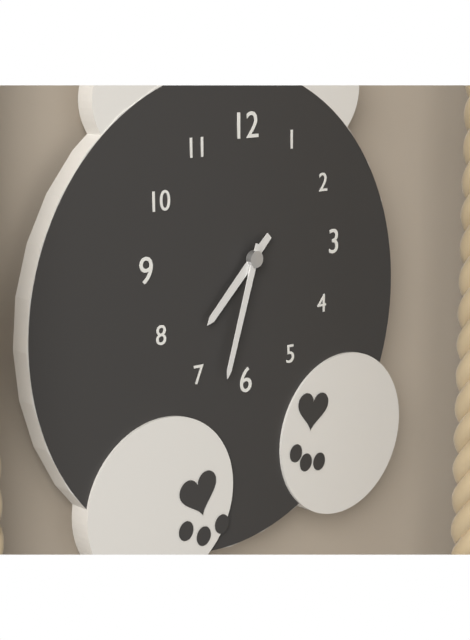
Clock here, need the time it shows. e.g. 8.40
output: 7.33
